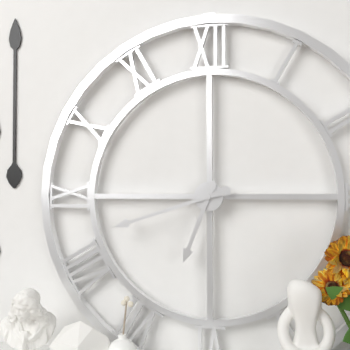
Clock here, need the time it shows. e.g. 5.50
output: 6.42
